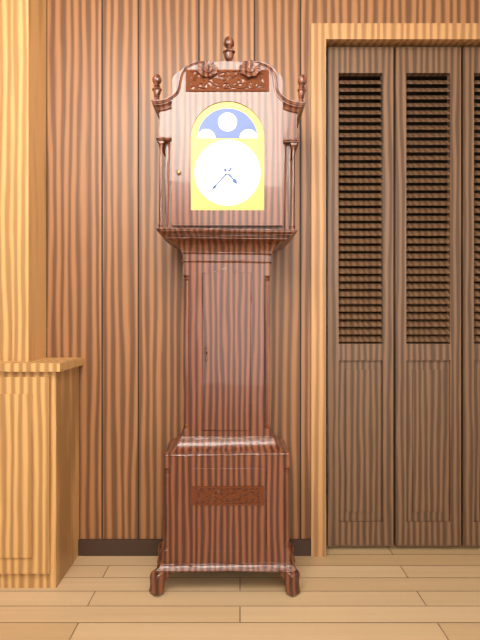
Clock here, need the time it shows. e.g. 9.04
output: 4.37
